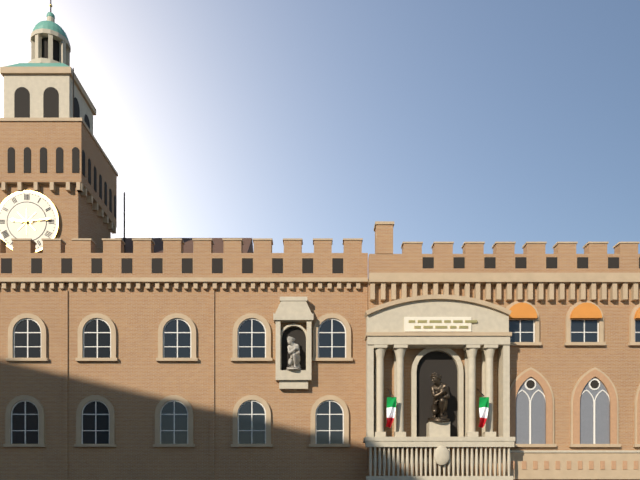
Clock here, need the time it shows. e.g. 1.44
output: 9.14
